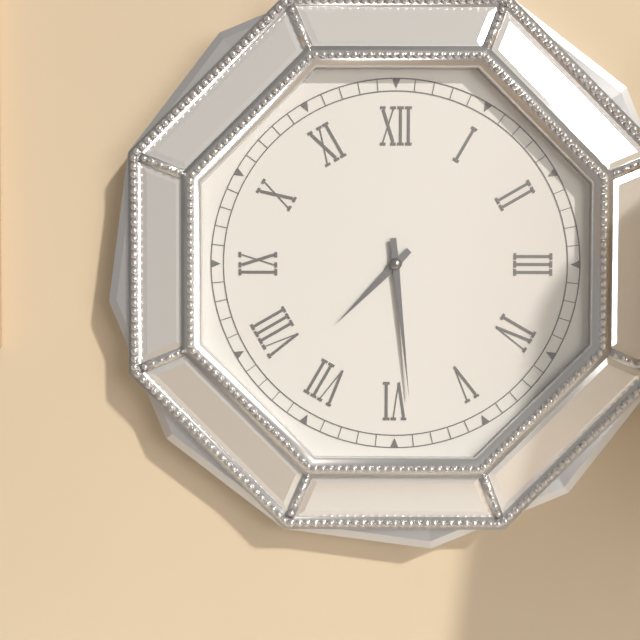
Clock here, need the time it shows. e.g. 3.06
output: 7.29
